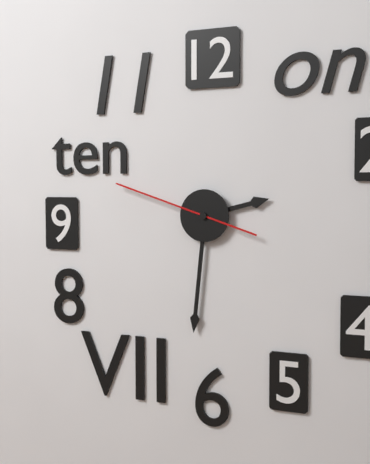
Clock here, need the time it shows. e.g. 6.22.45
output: 2.31.48
